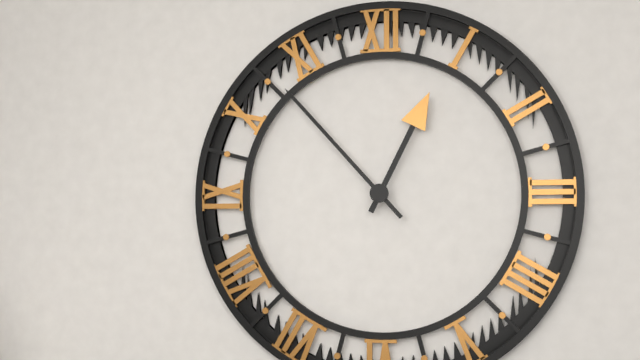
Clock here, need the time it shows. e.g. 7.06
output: 12.53
